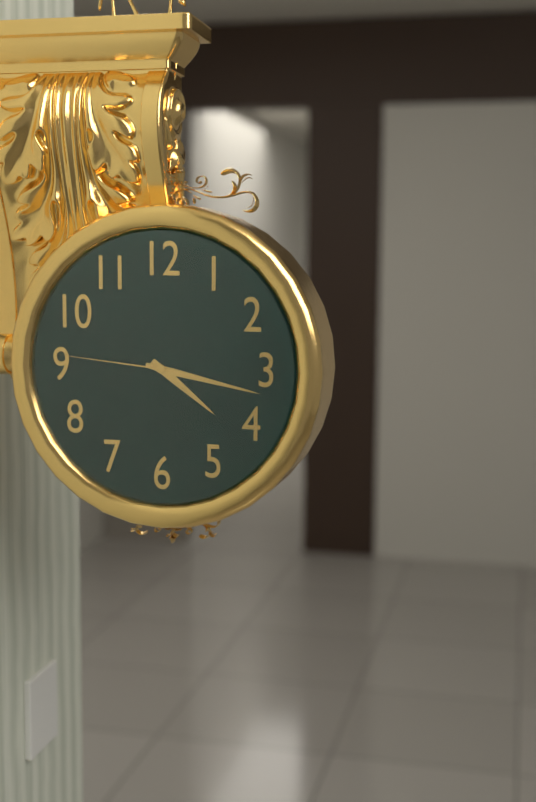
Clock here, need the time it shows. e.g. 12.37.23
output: 4.17.46
